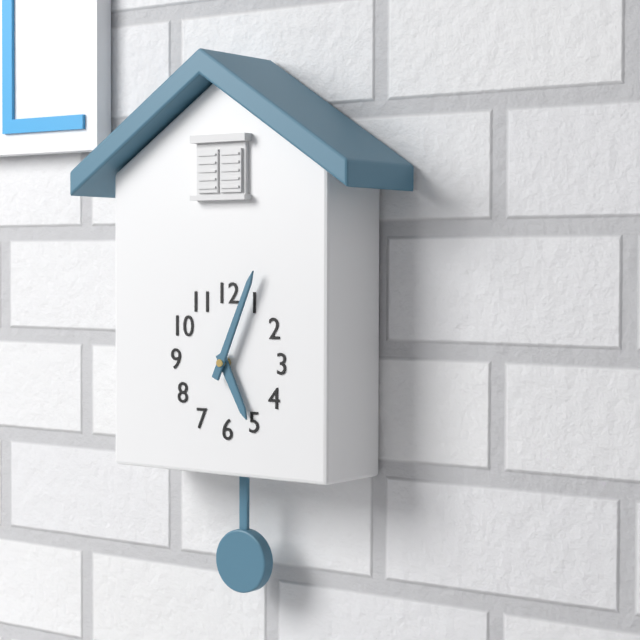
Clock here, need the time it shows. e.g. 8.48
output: 5.04
